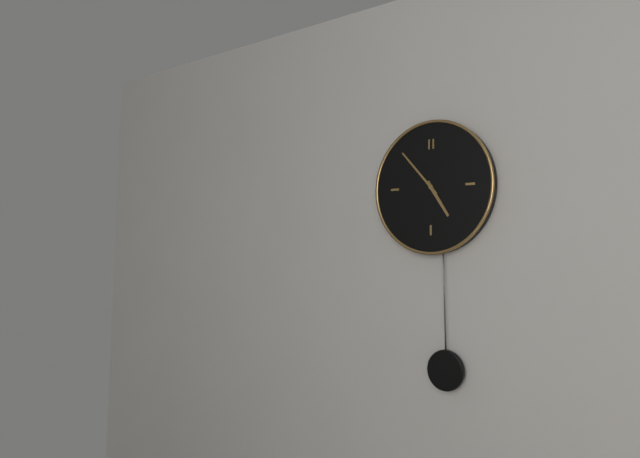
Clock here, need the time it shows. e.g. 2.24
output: 4.53
